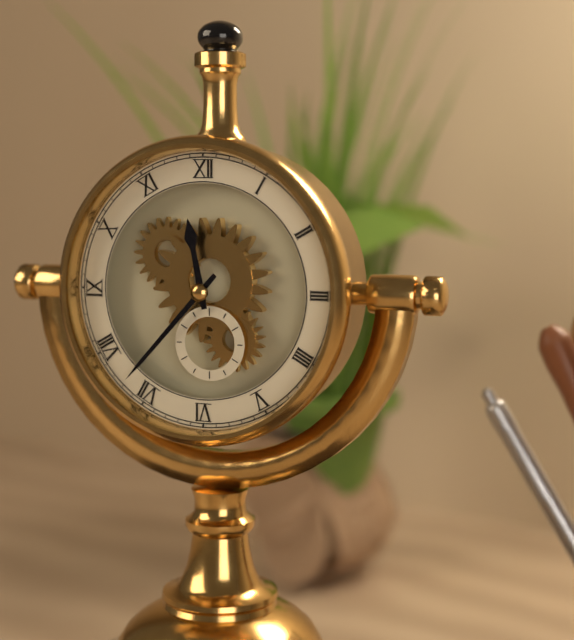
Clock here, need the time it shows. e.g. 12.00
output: 11.37
